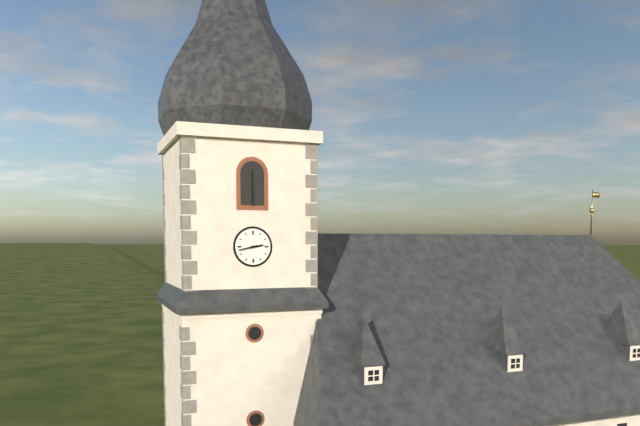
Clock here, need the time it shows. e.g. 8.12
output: 2.43
